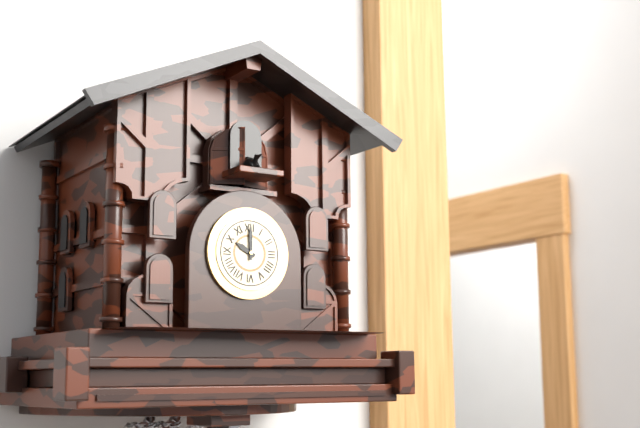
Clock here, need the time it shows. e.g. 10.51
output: 10.00
